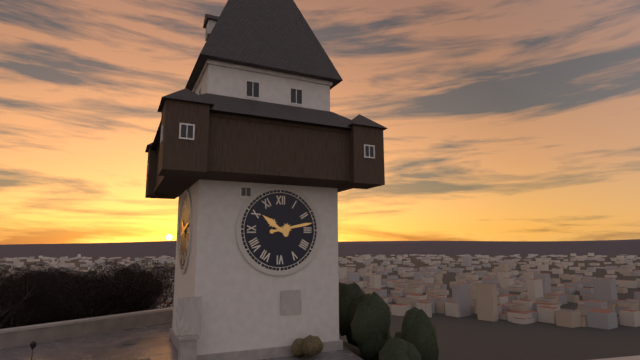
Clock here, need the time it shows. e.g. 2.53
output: 10.13
